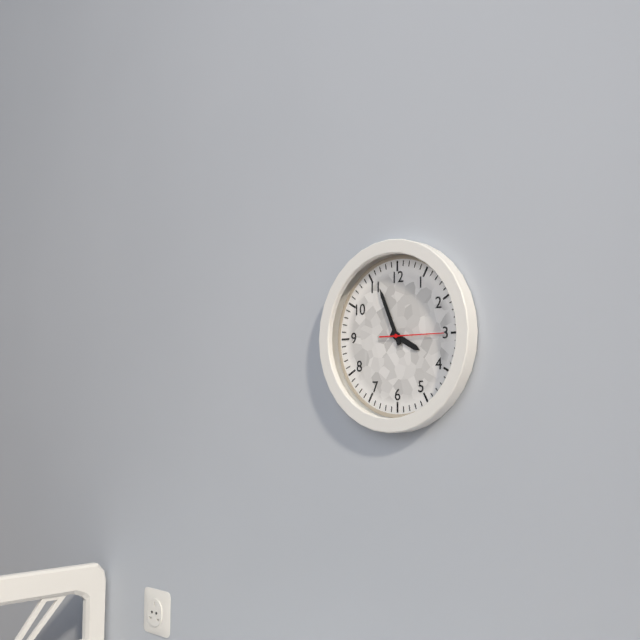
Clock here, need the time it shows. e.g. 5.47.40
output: 3.56.15
